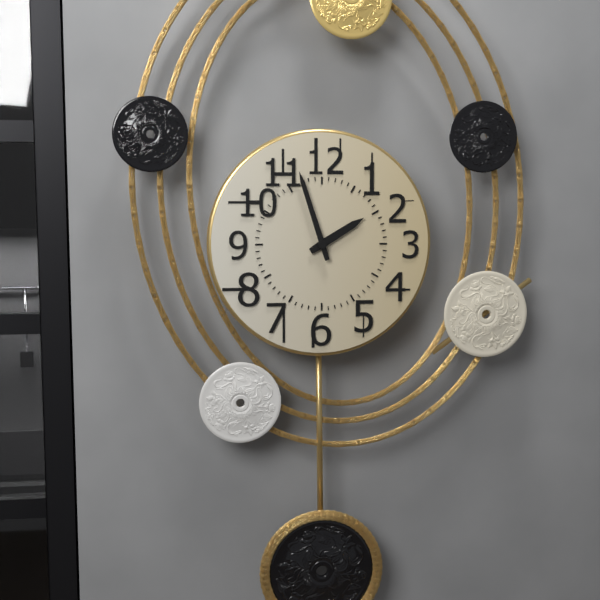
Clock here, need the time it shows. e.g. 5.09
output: 1.57
